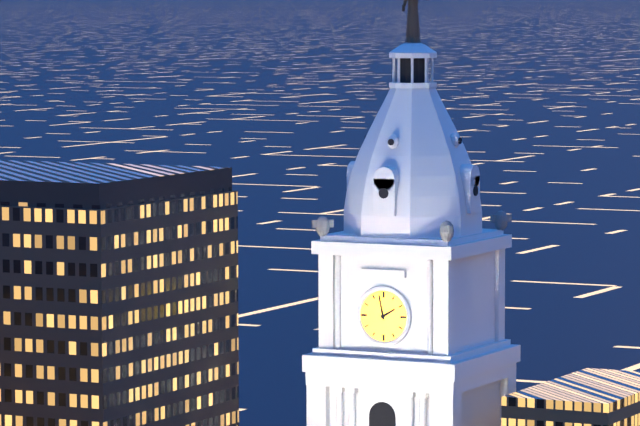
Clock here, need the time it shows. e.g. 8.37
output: 1.58
